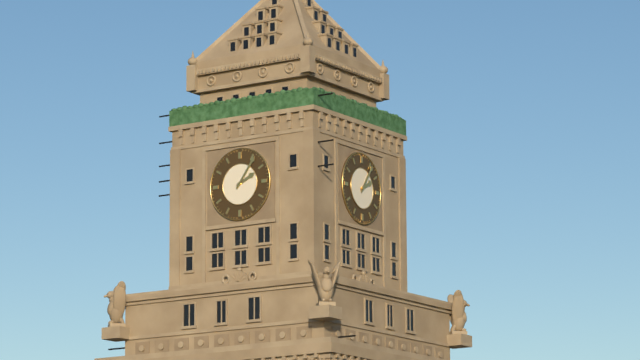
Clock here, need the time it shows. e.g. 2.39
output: 2.06
